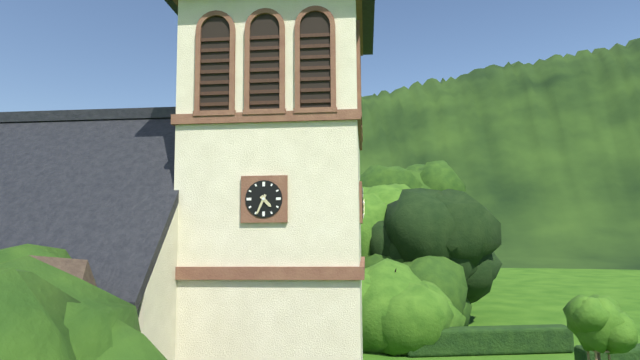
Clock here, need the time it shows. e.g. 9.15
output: 4.34
